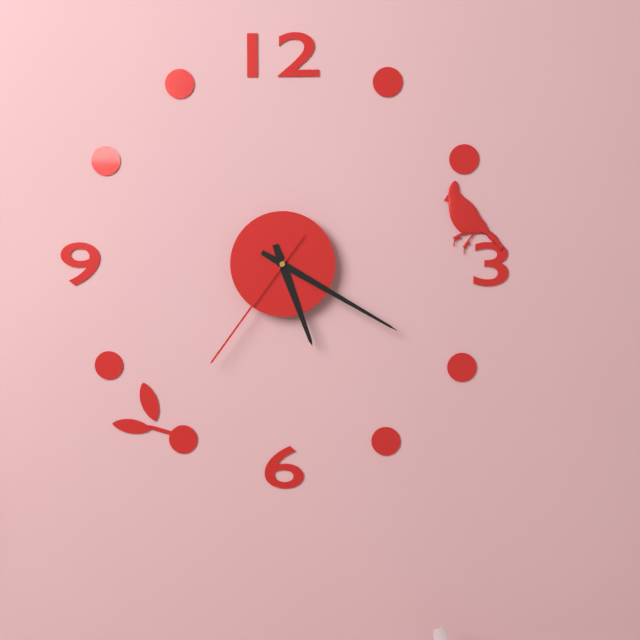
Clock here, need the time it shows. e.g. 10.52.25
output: 5.20.36
